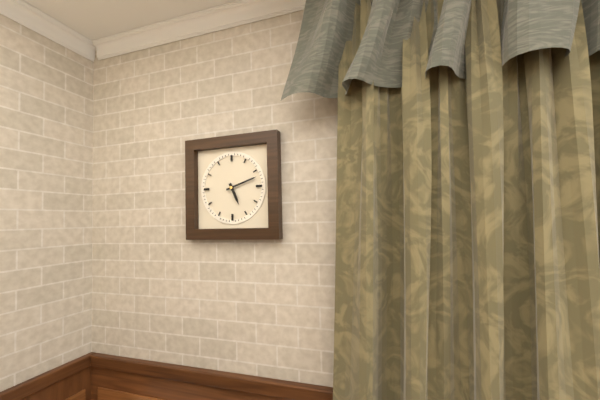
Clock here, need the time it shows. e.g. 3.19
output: 5.12
